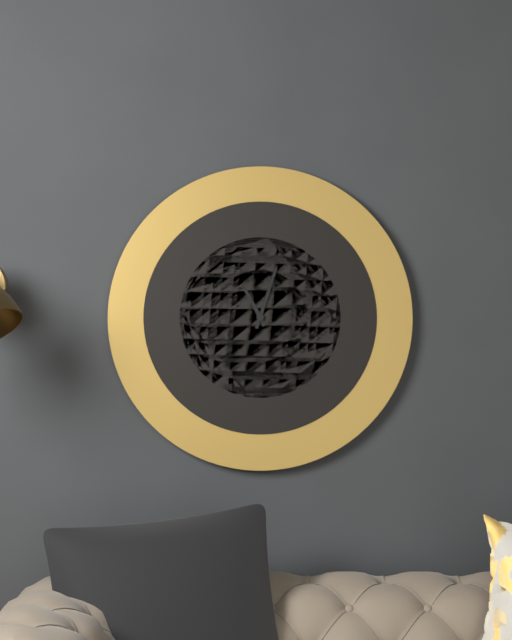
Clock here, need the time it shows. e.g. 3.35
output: 11.03
